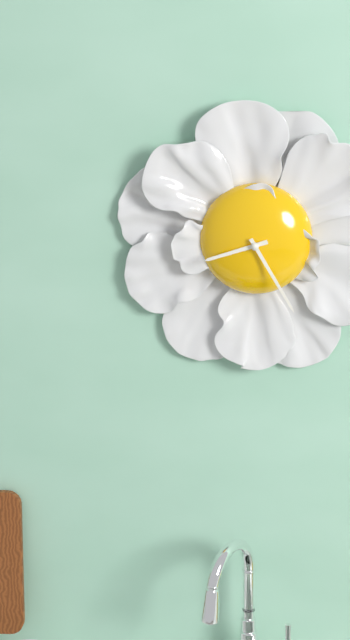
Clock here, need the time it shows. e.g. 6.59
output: 8.25
